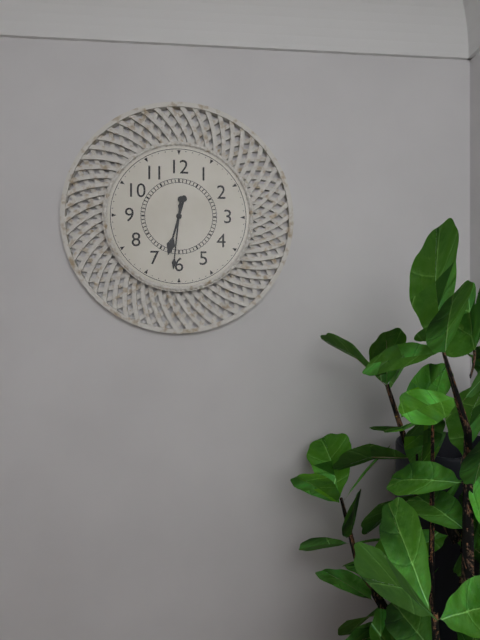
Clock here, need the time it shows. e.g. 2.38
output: 6.31
